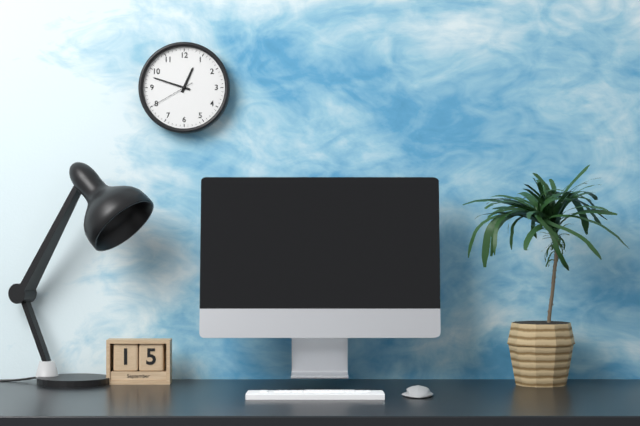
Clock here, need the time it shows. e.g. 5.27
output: 12.48
